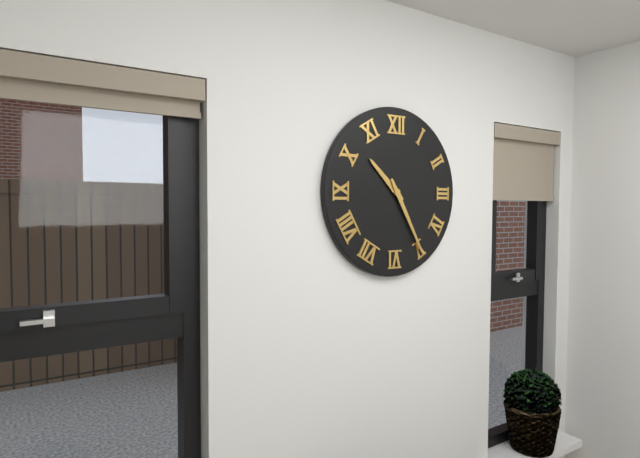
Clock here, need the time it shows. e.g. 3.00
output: 10.25
